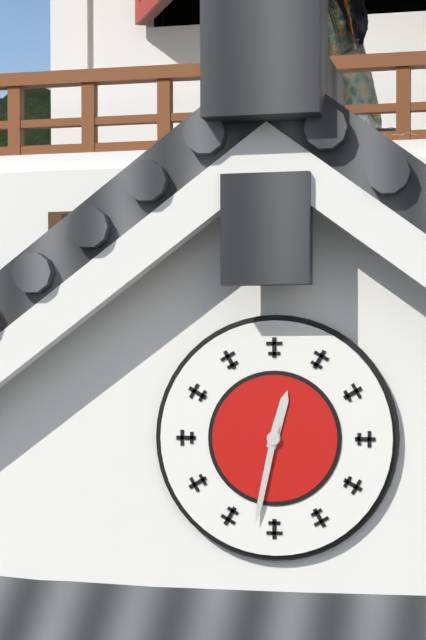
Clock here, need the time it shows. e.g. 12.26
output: 12.32
